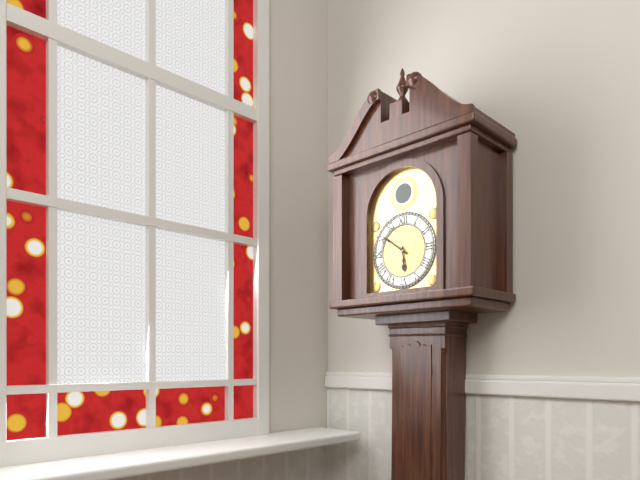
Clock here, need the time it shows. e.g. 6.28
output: 5.51
